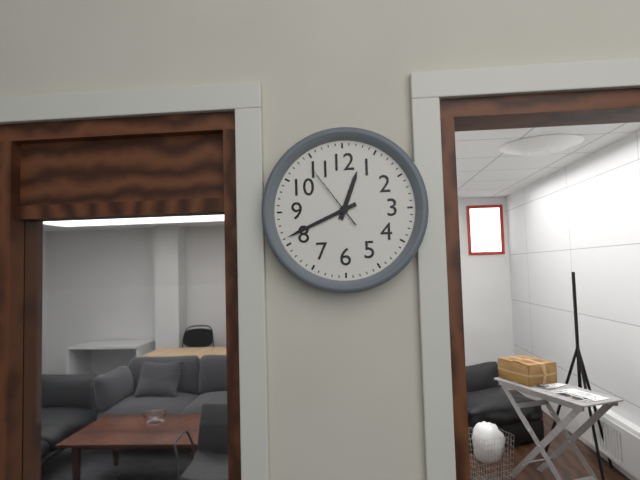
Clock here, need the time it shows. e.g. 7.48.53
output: 12.41.54
